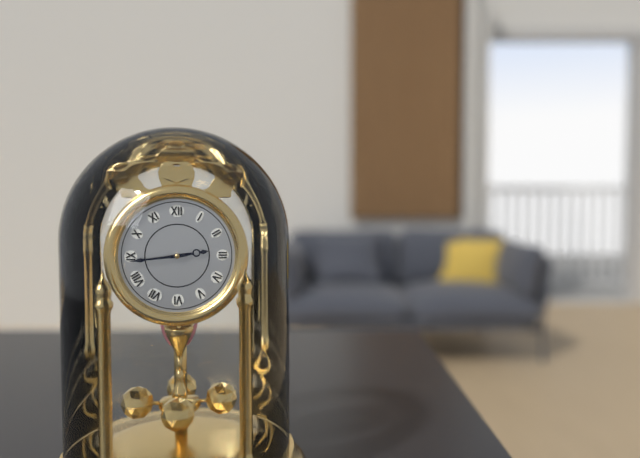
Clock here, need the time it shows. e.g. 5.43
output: 2.44
